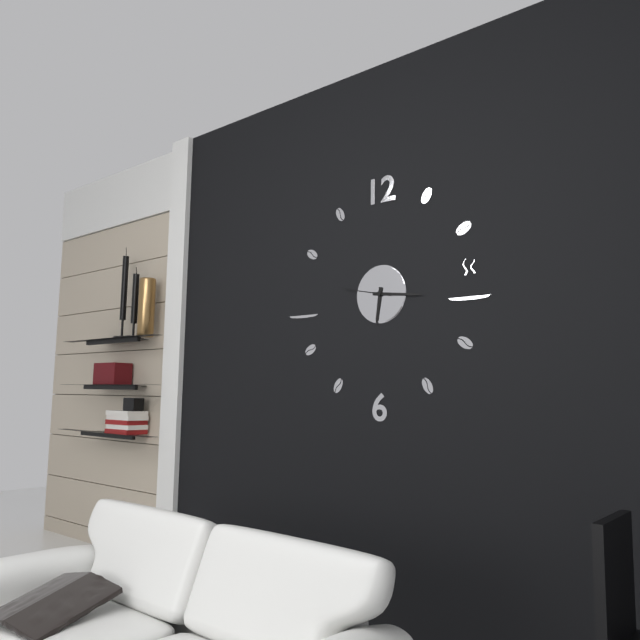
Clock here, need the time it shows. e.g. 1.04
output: 6.16
